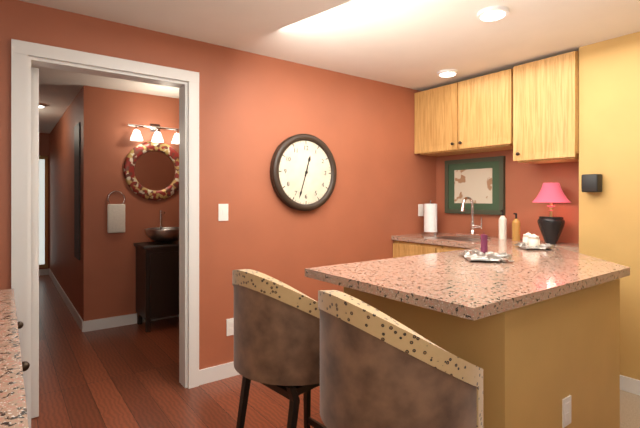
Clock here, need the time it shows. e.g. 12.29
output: 12.33
